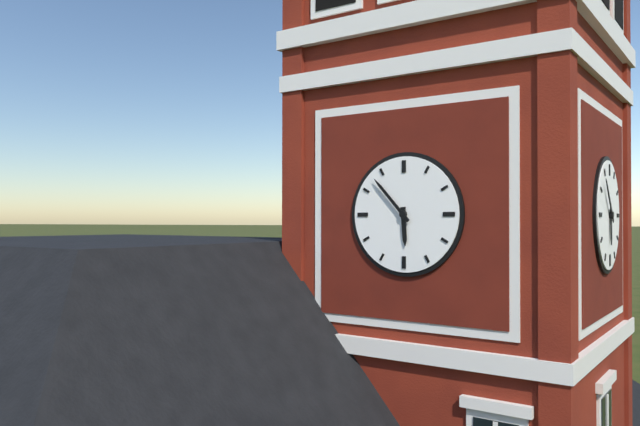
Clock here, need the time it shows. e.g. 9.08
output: 5.53
